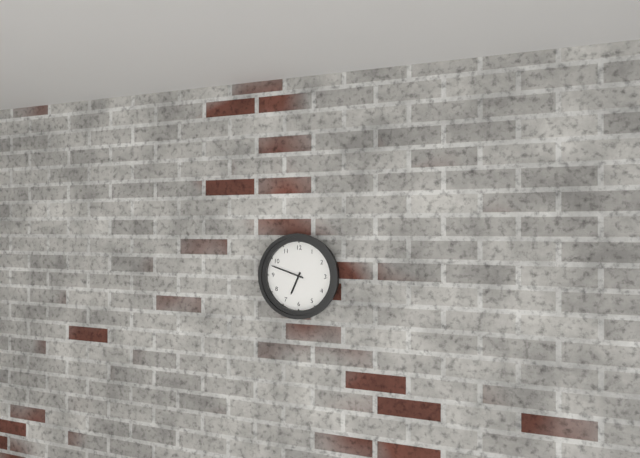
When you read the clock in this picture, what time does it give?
6:48
